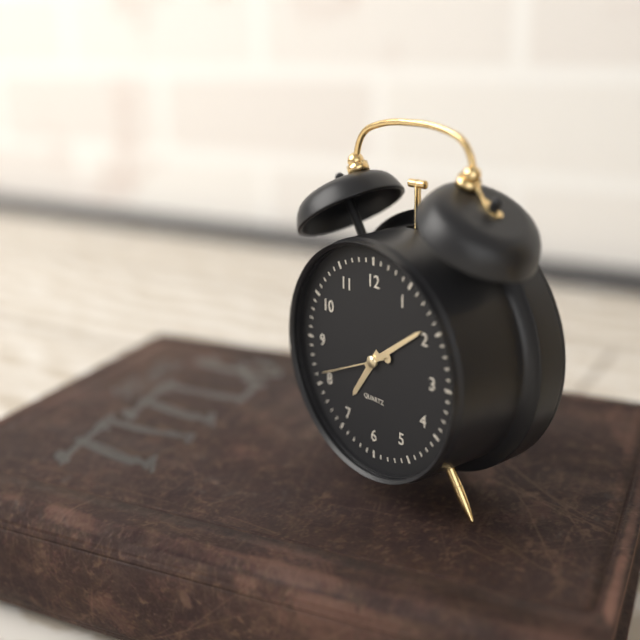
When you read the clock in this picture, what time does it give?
7:09:41
